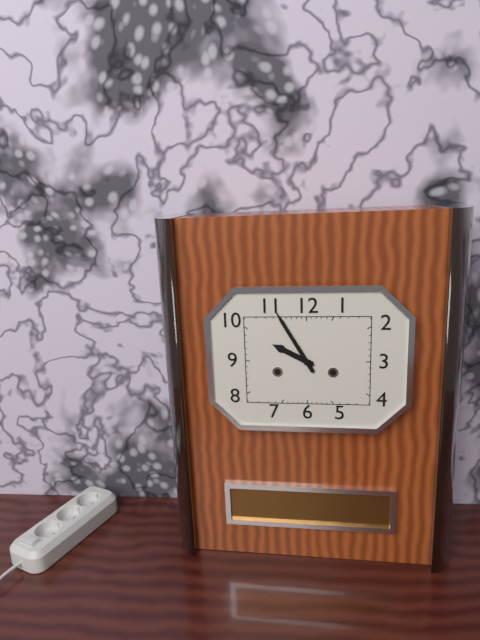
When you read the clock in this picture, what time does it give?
9:55
